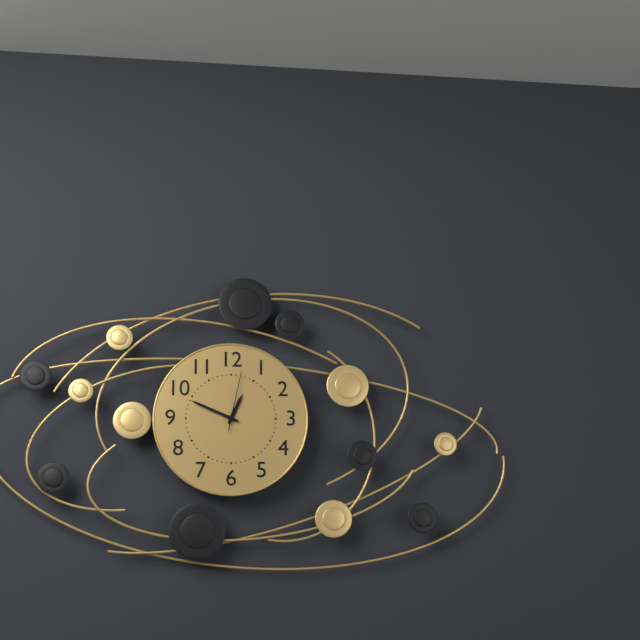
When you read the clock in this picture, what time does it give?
12:49:02
